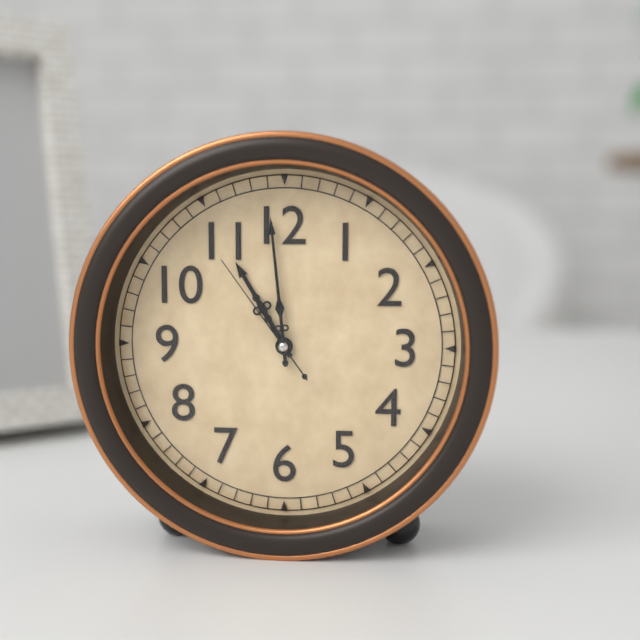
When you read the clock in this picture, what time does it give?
10:59:54
